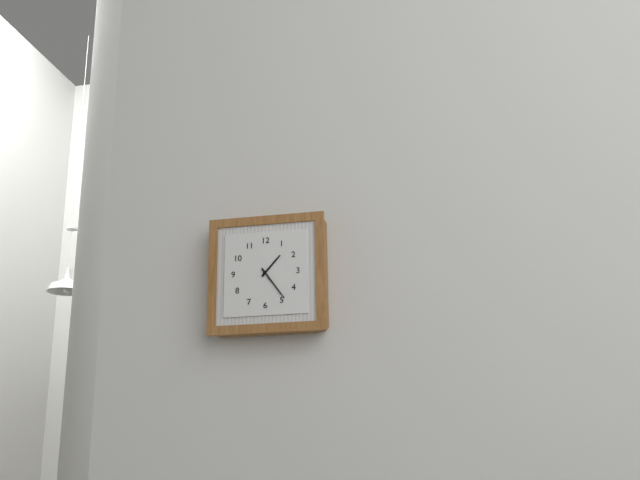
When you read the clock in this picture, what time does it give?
1:24
